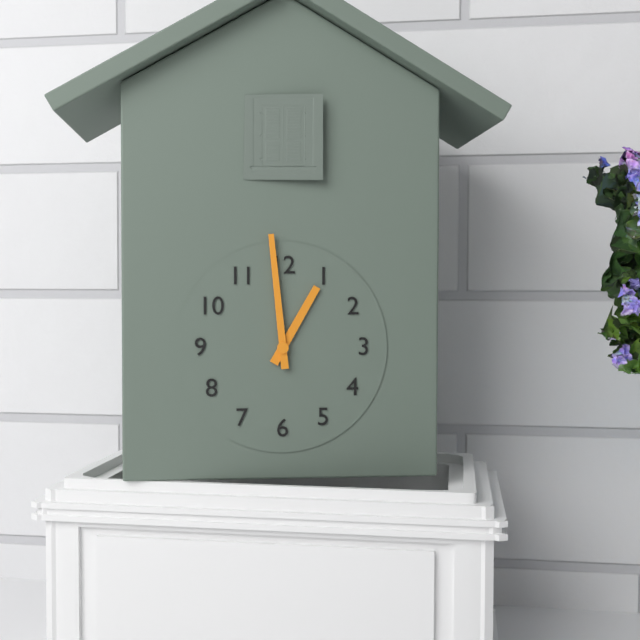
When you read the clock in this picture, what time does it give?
12:59
